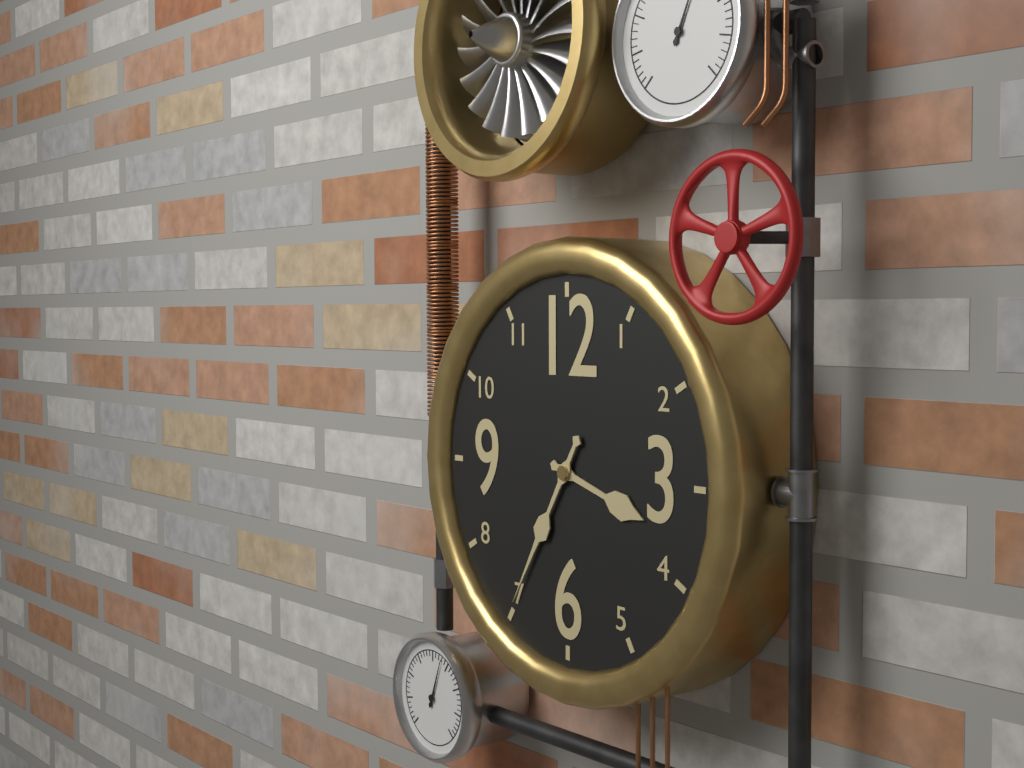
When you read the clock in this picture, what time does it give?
3:35
